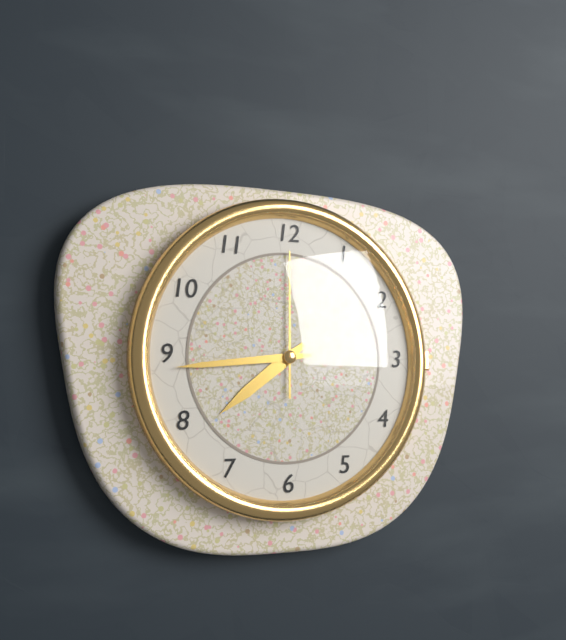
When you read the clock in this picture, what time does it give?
7:44:00
